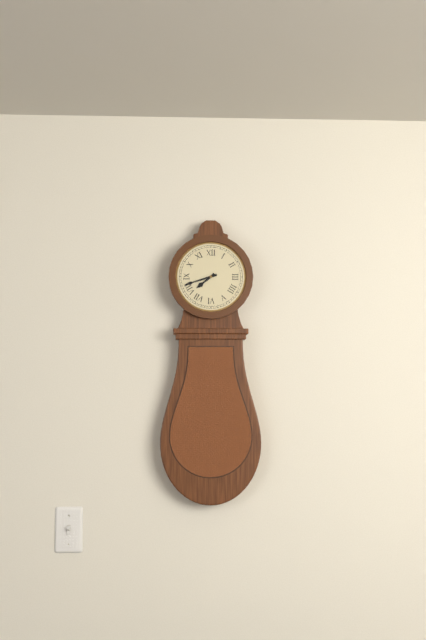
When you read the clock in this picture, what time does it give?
7:42
